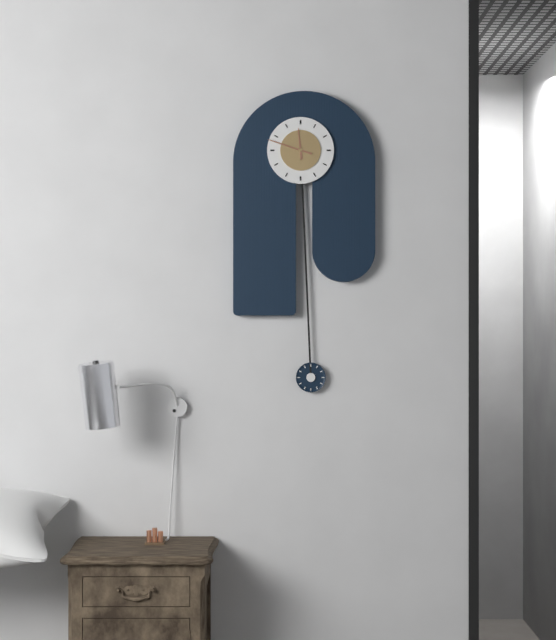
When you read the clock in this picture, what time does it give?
11:48
